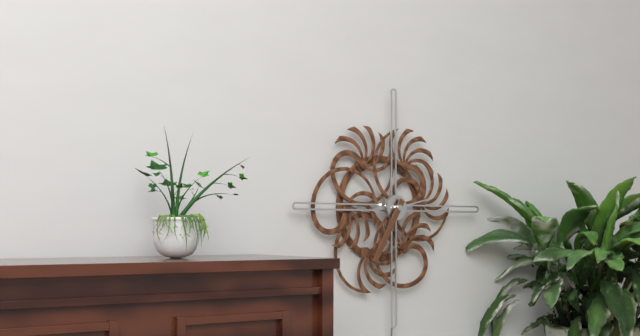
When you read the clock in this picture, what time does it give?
2:35
